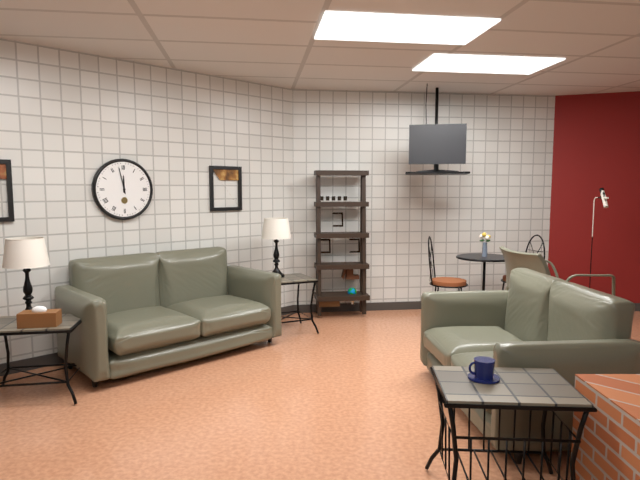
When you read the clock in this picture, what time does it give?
11:58
